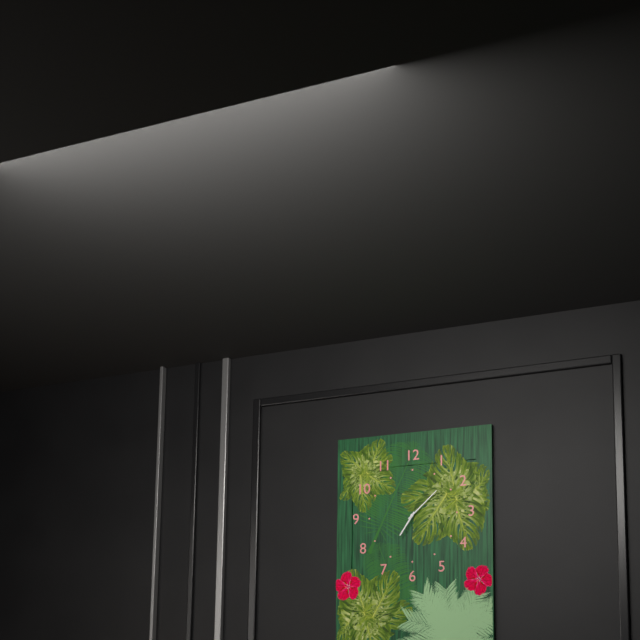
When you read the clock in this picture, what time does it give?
7:08
